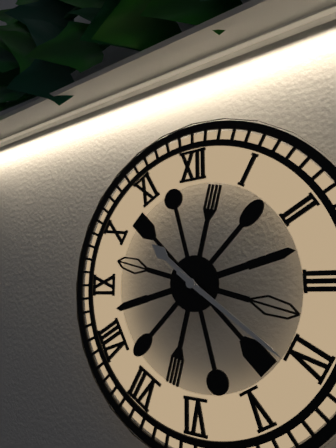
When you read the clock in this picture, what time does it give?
10:21
